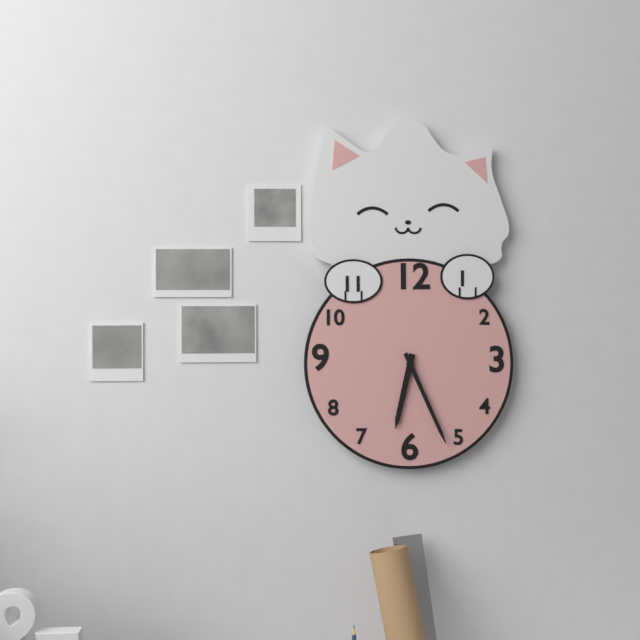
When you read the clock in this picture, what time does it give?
6:26
